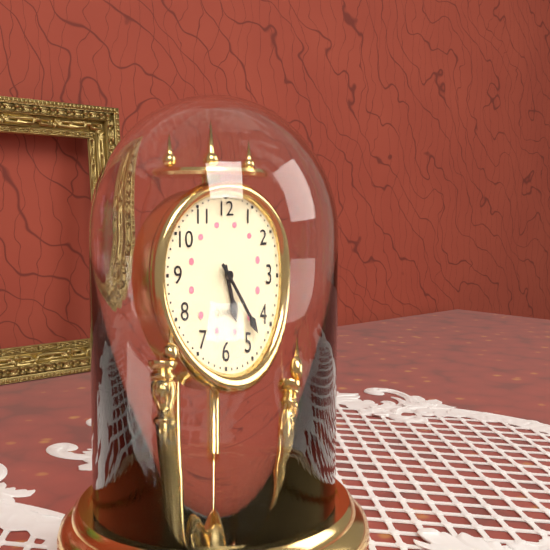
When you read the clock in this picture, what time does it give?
5:23
